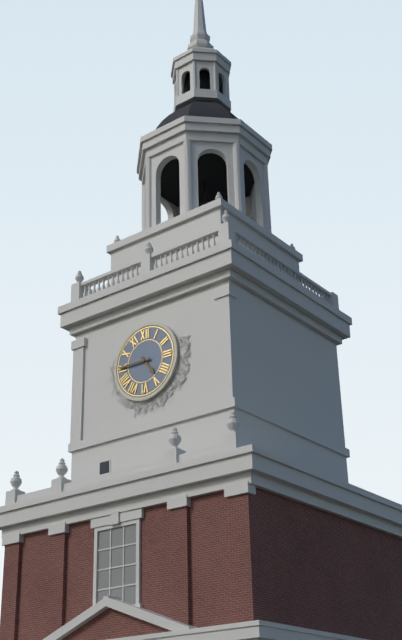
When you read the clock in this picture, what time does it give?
4:45
